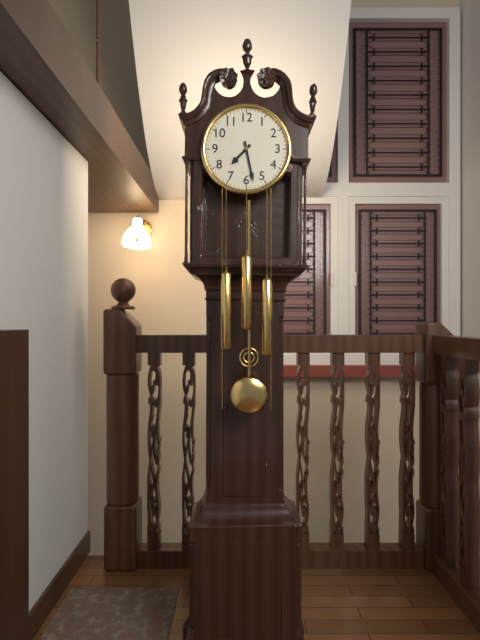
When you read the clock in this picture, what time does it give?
7:28
